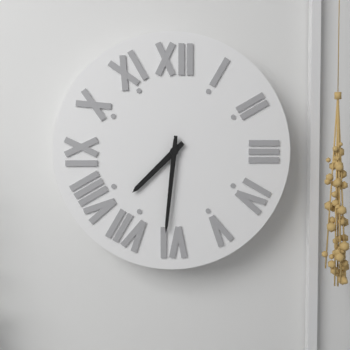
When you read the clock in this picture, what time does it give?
7:31
